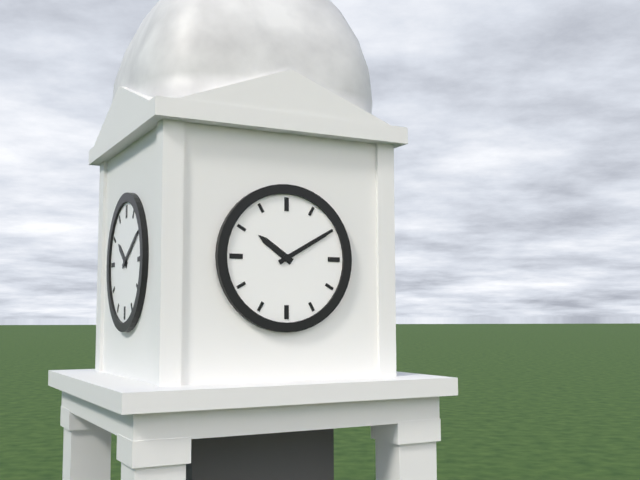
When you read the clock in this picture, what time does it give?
10:10
